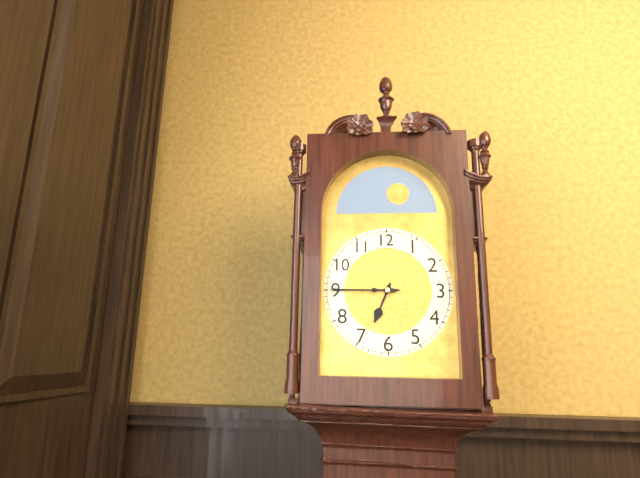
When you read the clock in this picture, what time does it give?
6:45
